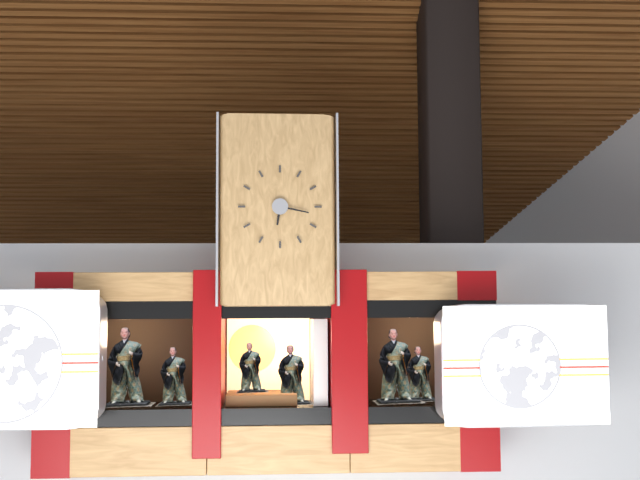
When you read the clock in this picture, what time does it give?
6:17
